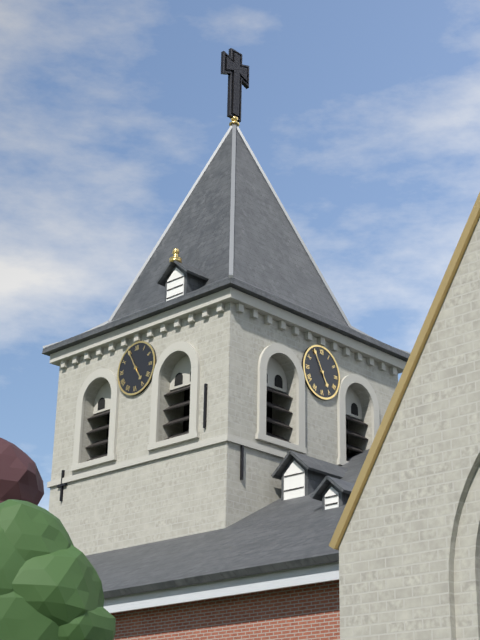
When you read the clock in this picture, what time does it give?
4:55
